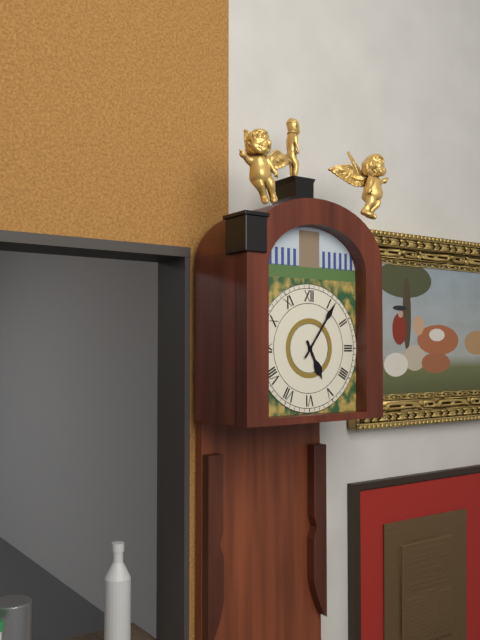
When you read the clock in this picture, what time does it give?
5:06
